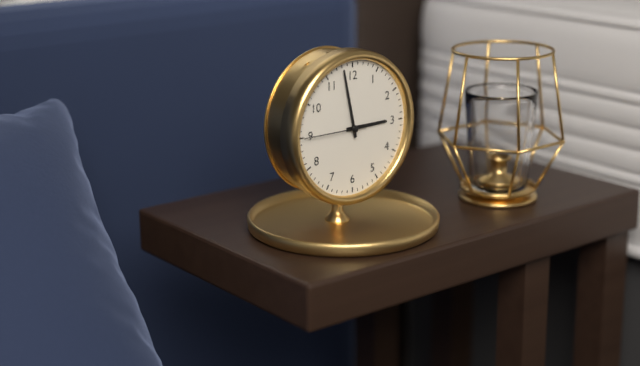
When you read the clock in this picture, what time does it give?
2:58:45
